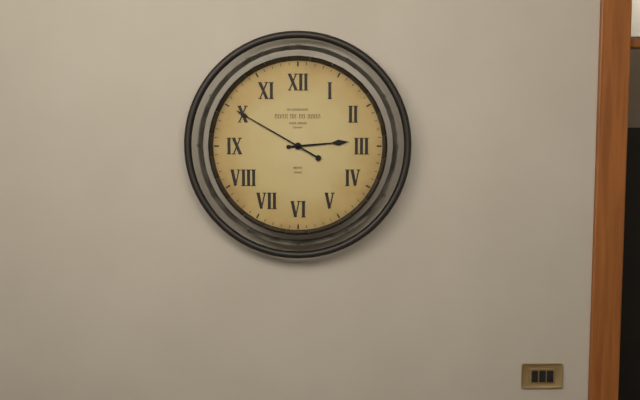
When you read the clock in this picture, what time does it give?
2:50
